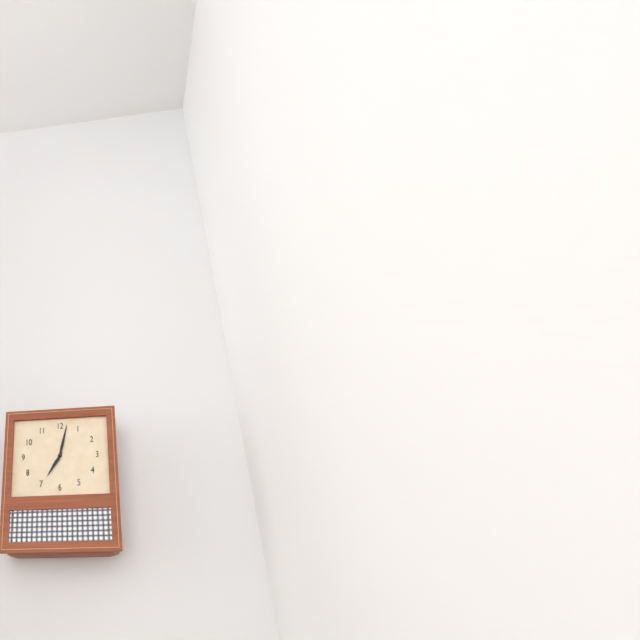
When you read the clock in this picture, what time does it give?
7:02
